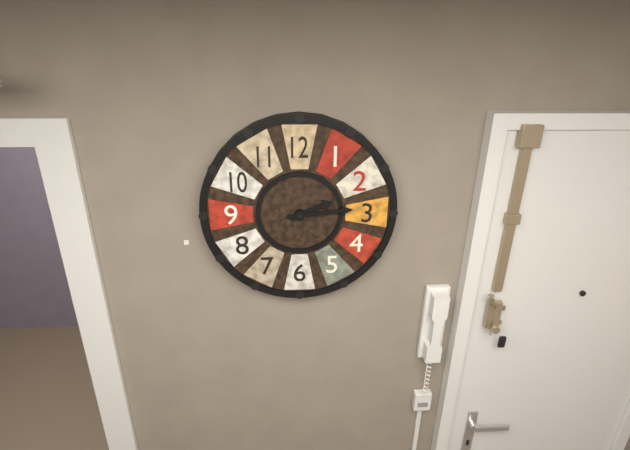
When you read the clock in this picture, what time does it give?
2:14
